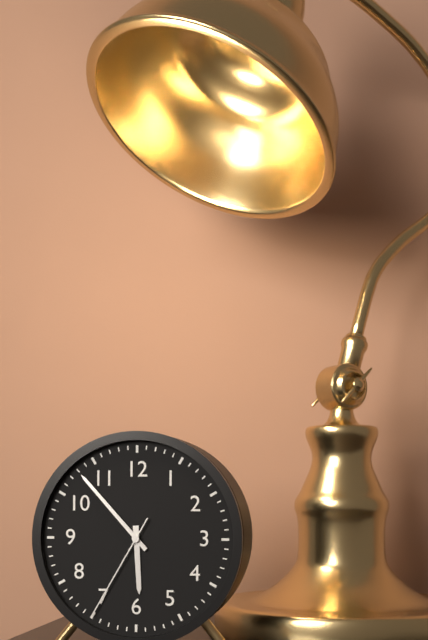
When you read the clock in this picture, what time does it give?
5:53:35
